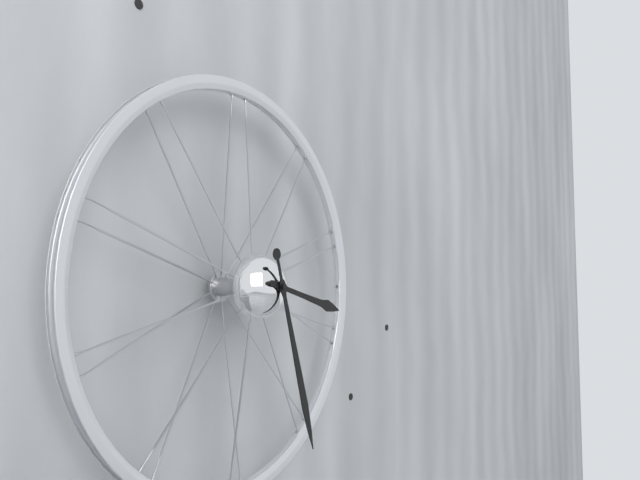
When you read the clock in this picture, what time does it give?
3:27
